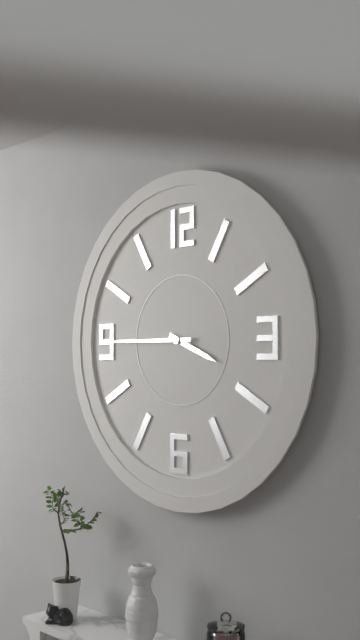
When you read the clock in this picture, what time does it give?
3:45
